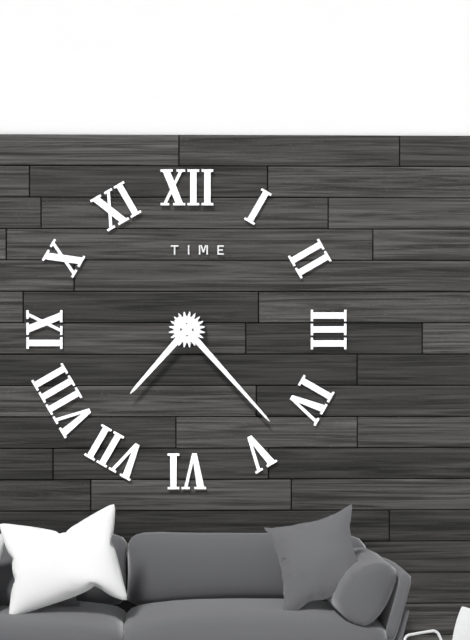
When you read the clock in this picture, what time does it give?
7:23
